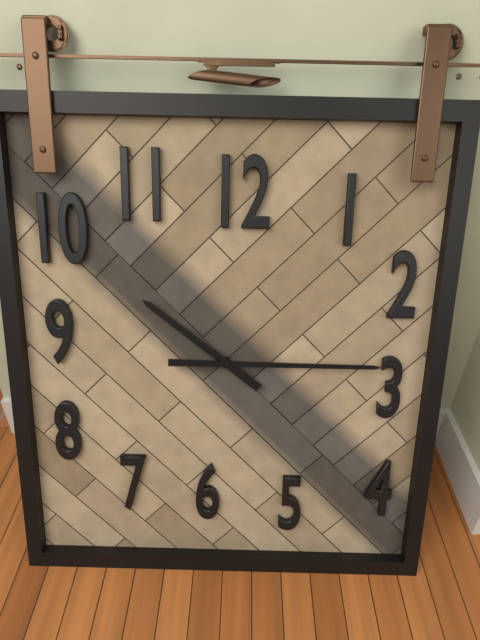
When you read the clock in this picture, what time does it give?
10:15
